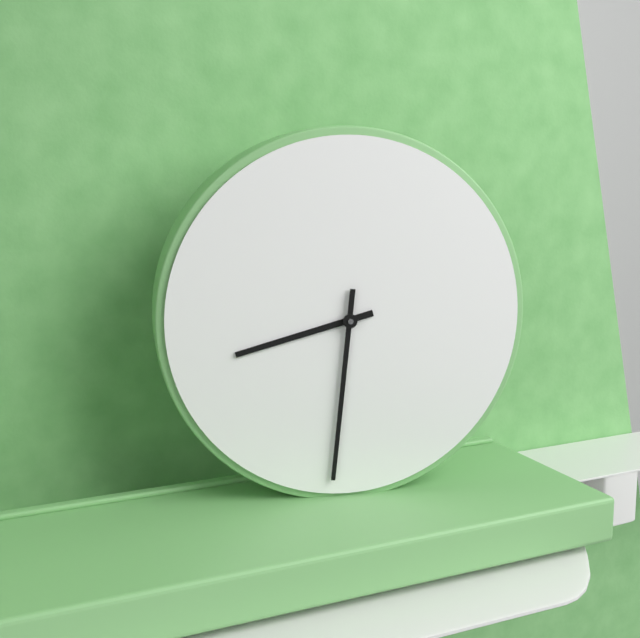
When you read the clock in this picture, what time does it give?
8:31
